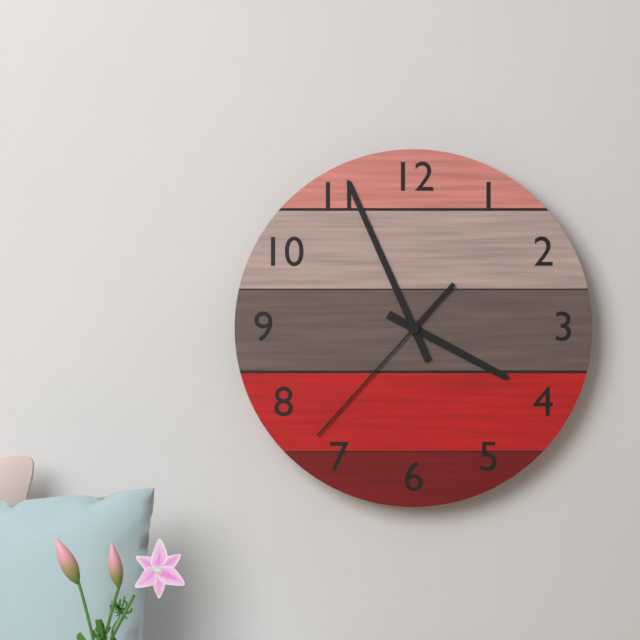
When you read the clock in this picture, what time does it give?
3:56:37
